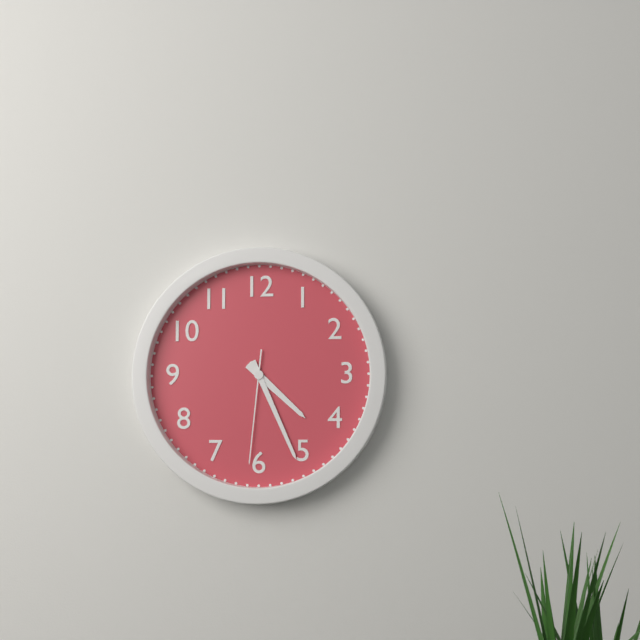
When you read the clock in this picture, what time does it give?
4:26:31
